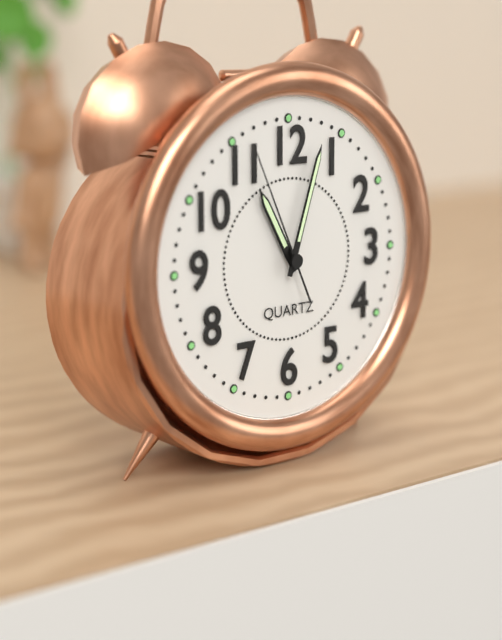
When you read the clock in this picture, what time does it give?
11:03:56
